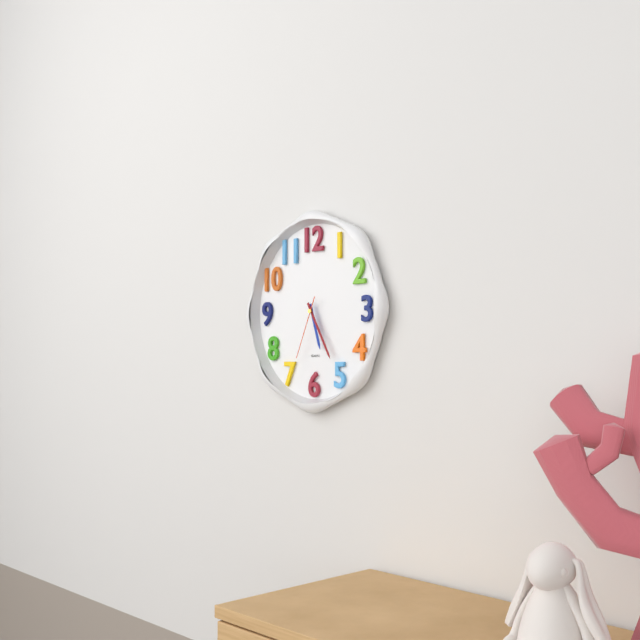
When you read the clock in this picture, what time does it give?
5:25:34
